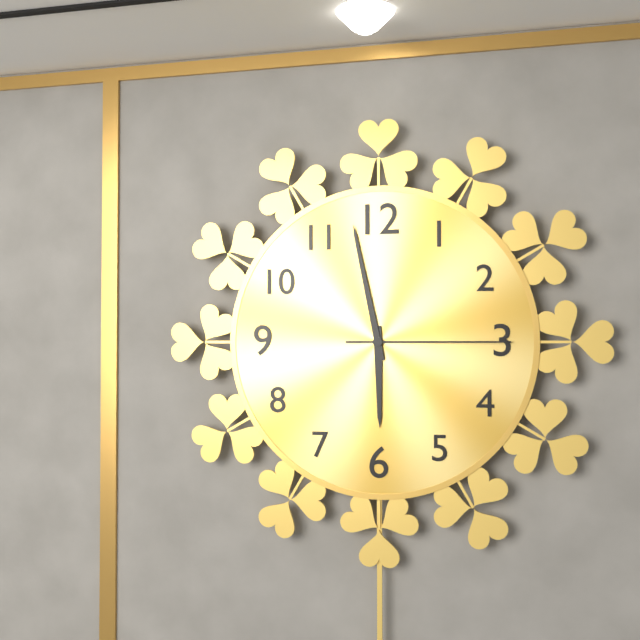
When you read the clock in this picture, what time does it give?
5:58:15
